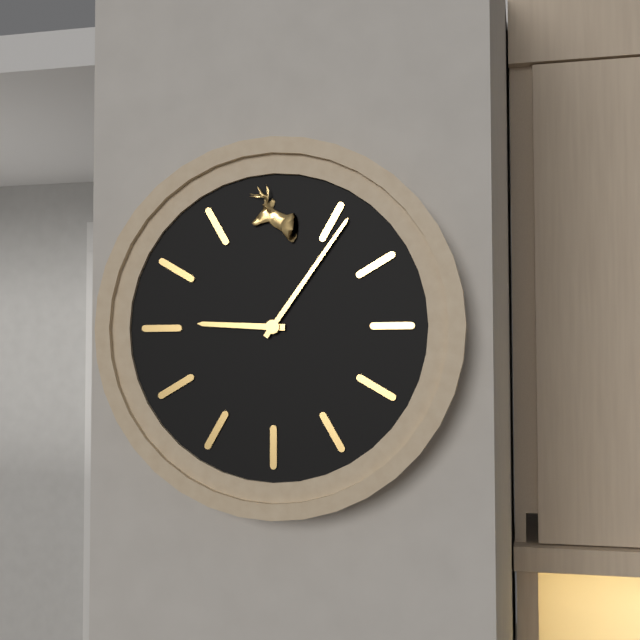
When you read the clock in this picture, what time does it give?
9:06
